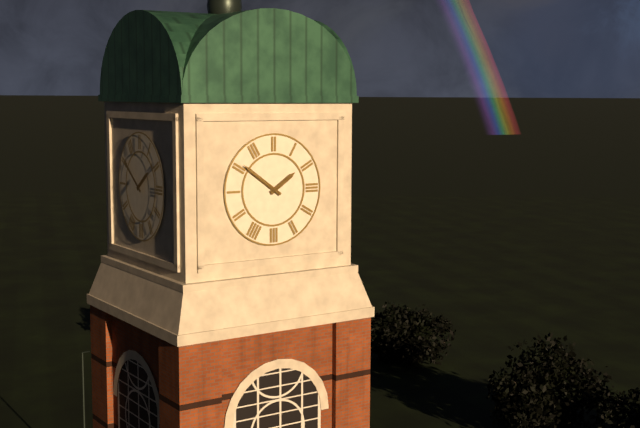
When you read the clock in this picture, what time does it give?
1:51
